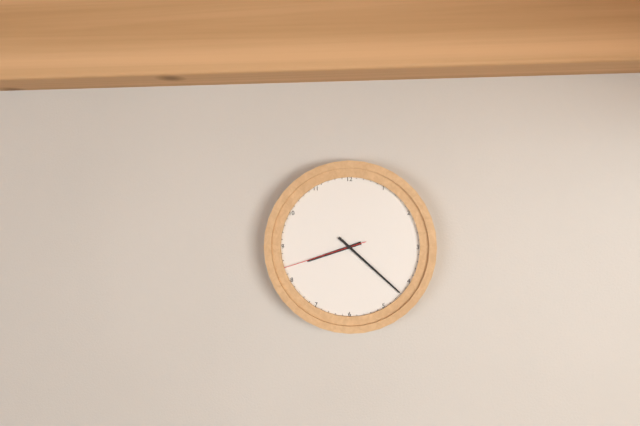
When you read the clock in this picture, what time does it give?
8:22:42
